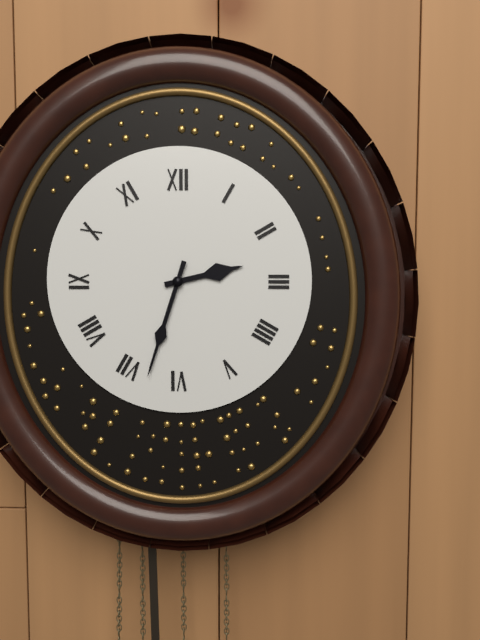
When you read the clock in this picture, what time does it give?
2:33
